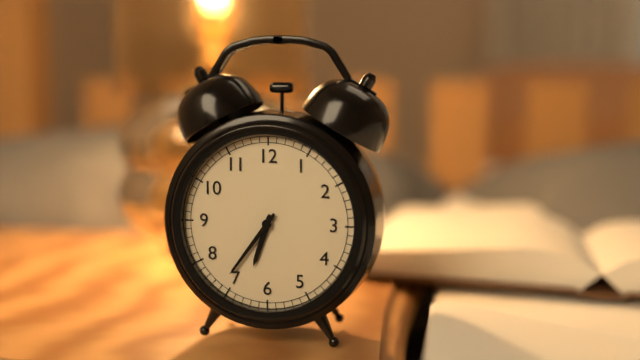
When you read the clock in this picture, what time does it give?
6:36
